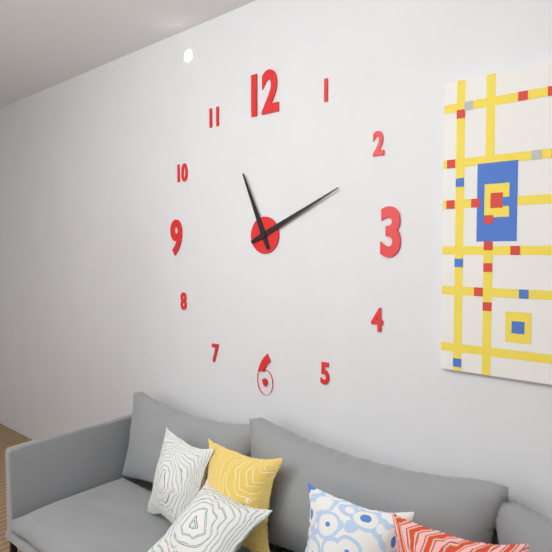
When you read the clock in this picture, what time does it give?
11:11
